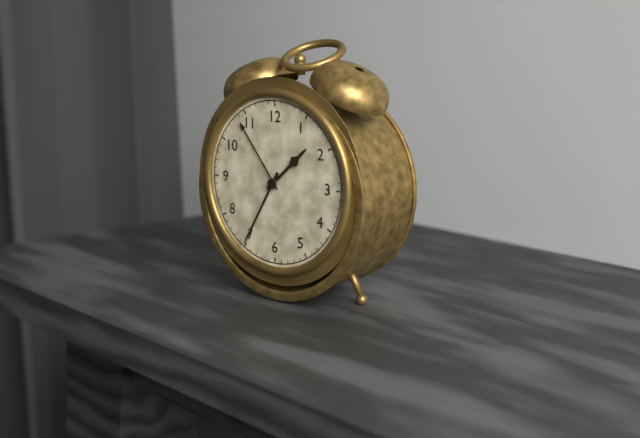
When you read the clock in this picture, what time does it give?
1:35
